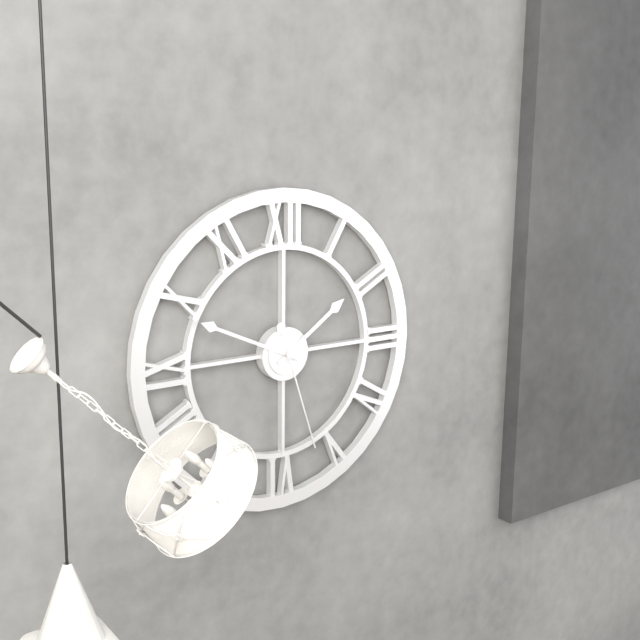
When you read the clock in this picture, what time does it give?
1:49:27
